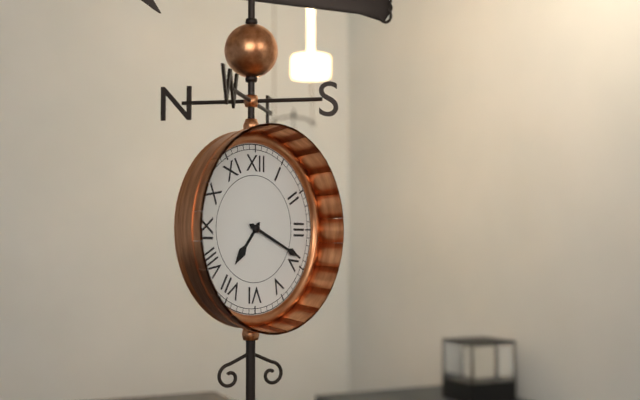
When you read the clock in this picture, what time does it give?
7:19
